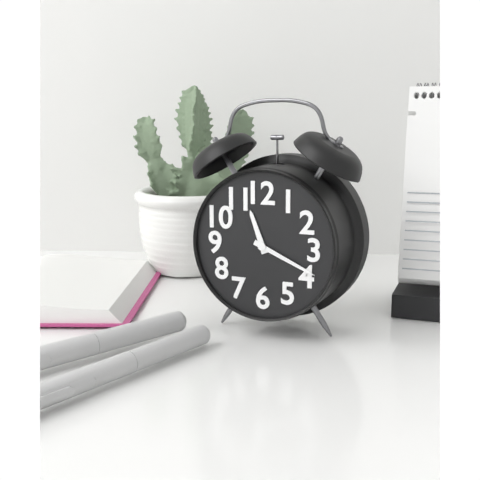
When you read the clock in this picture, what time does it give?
11:19
